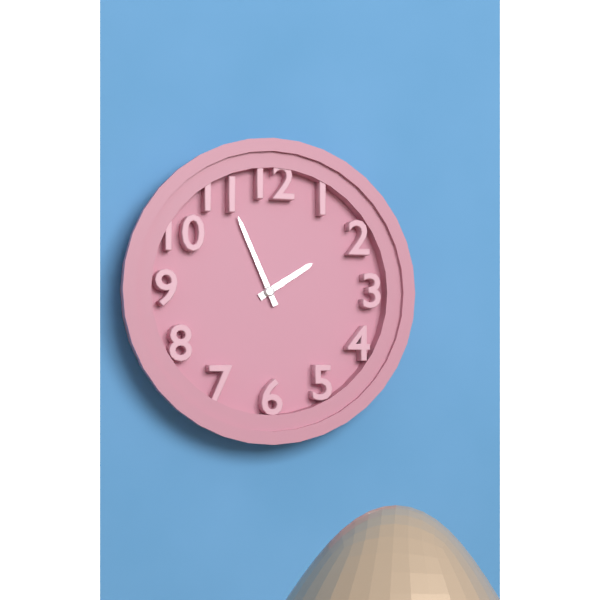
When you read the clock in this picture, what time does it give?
1:56
